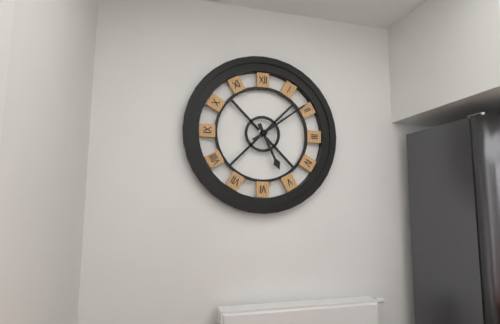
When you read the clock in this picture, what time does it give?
5:09
